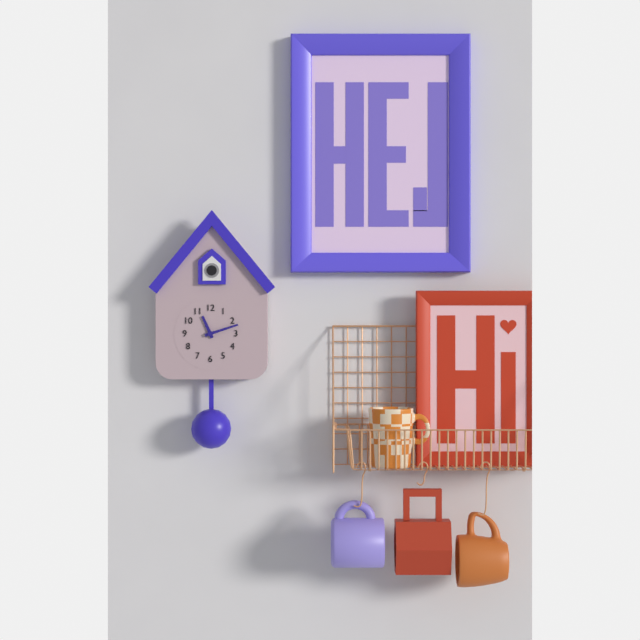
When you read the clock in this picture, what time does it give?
11:12
